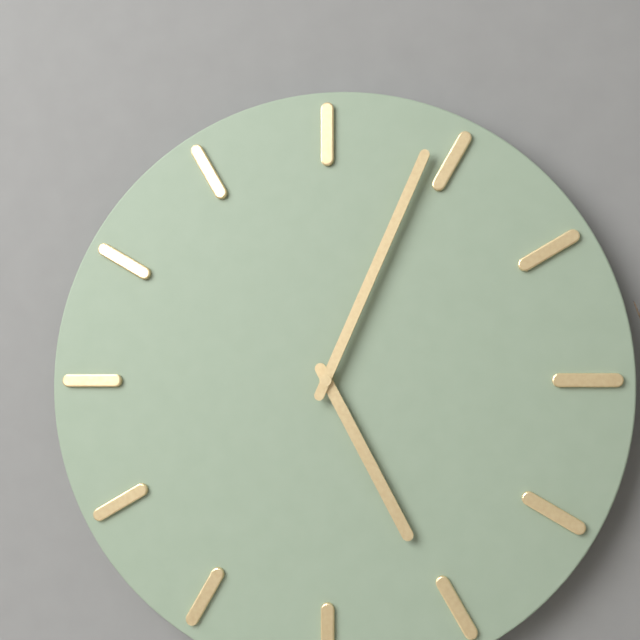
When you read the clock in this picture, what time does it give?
5:04
